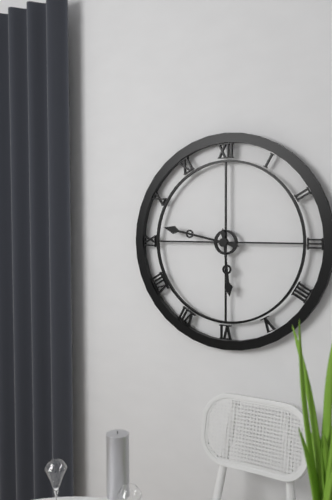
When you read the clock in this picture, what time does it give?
5:47
